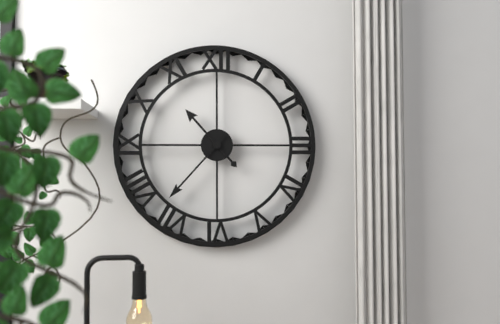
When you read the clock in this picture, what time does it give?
10:37
